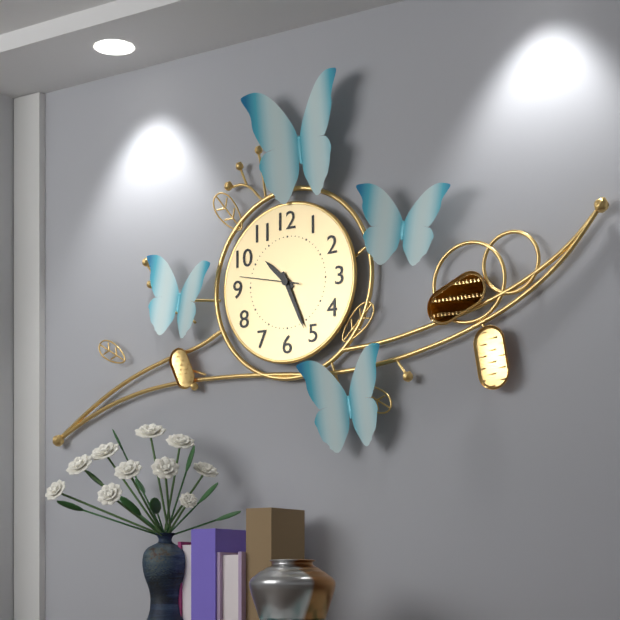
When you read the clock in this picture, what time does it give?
10:26:47
